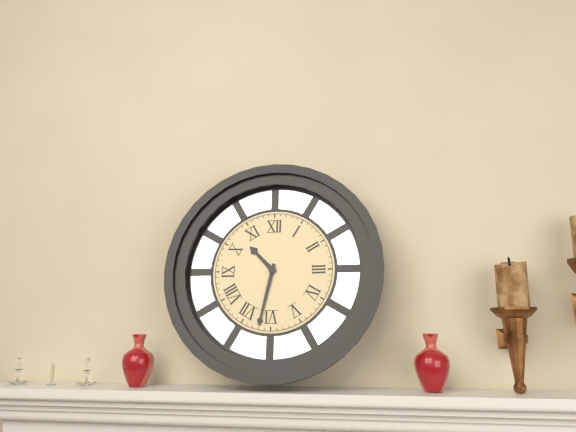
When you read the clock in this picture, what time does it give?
10:32
